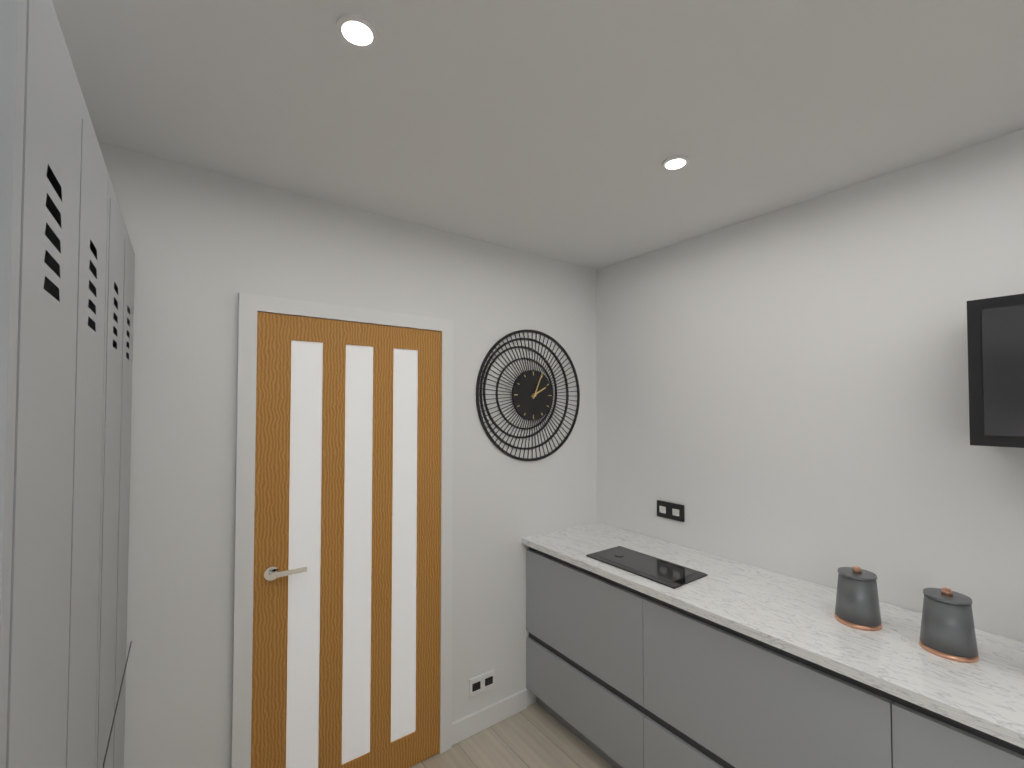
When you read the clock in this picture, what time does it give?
2:04
